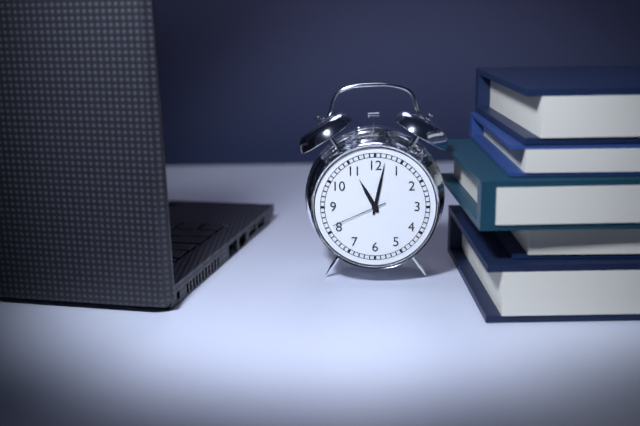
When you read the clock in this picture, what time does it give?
11:02:41
